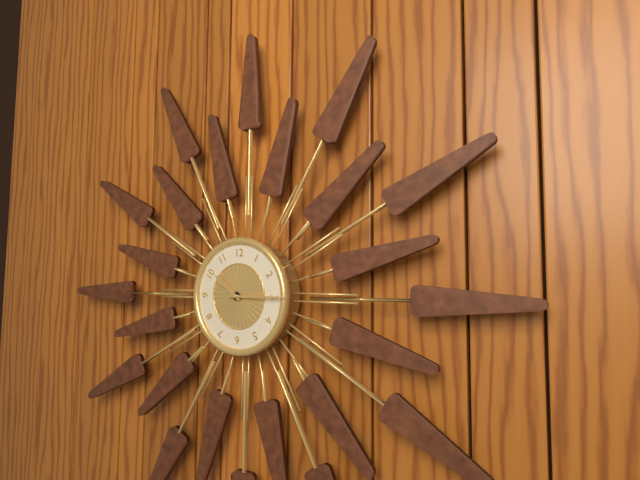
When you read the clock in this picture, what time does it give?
10:15
